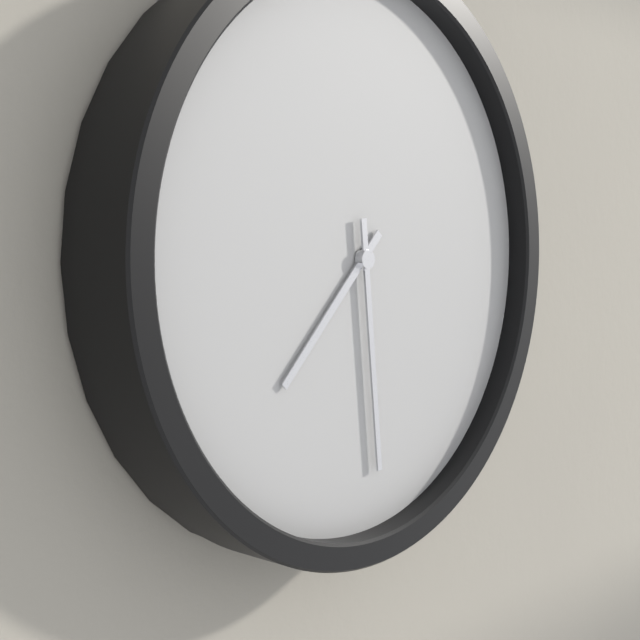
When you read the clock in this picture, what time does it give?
7:29
